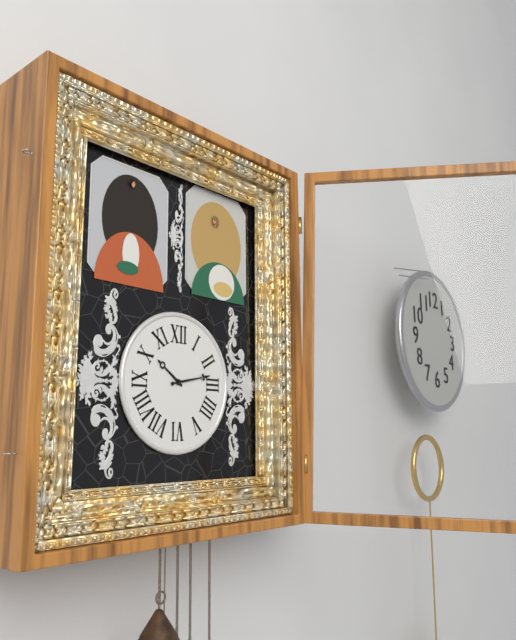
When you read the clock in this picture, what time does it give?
10:13
